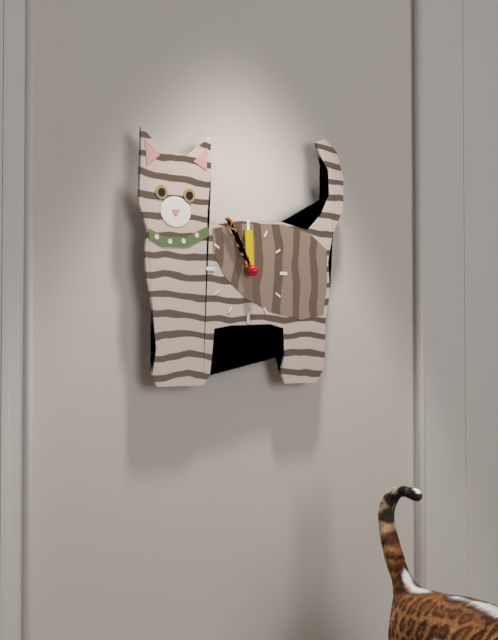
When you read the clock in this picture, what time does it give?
11:55
